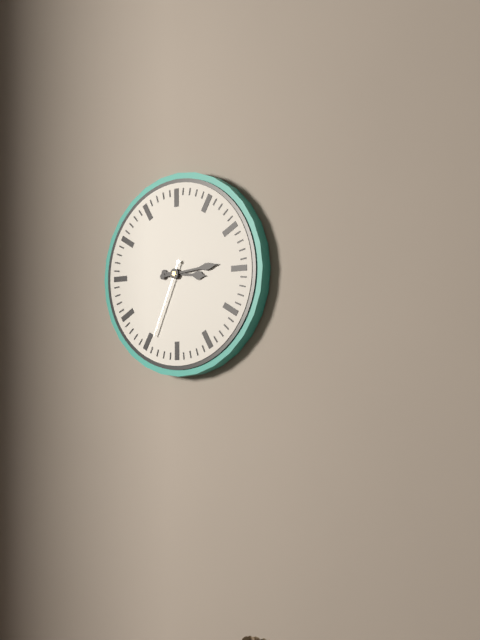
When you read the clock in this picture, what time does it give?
3:14:34
